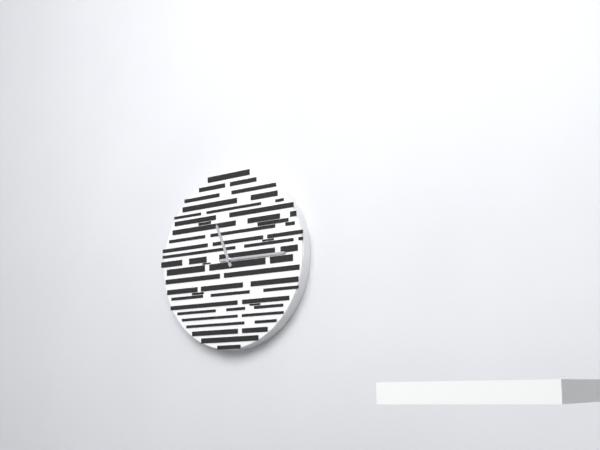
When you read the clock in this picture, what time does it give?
11:15
